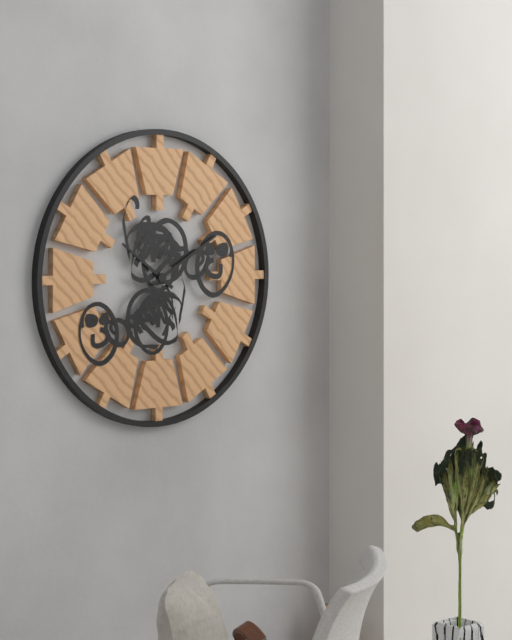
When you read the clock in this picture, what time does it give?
10:10
